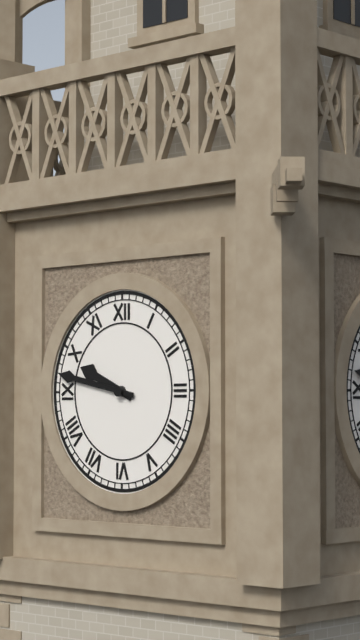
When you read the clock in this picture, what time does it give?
9:47
